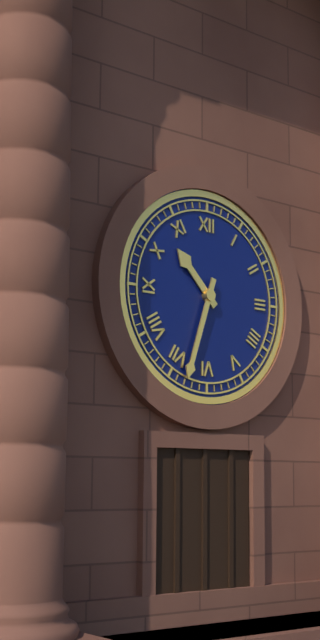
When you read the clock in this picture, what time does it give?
10:33
